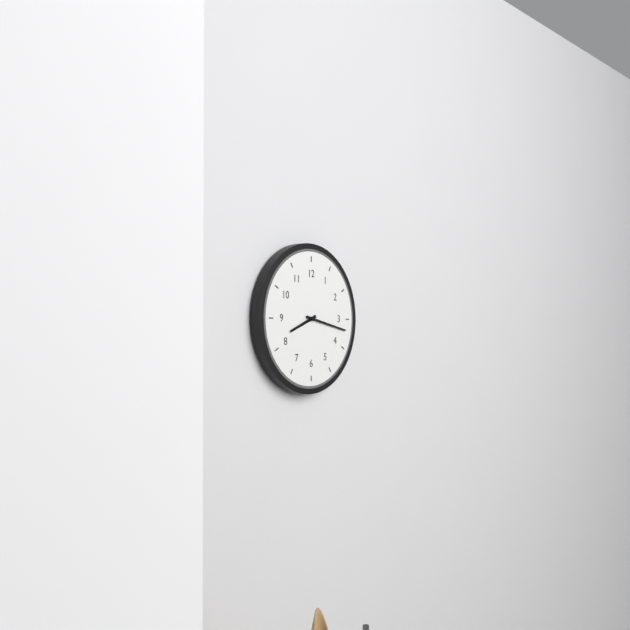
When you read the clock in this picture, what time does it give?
8:17
